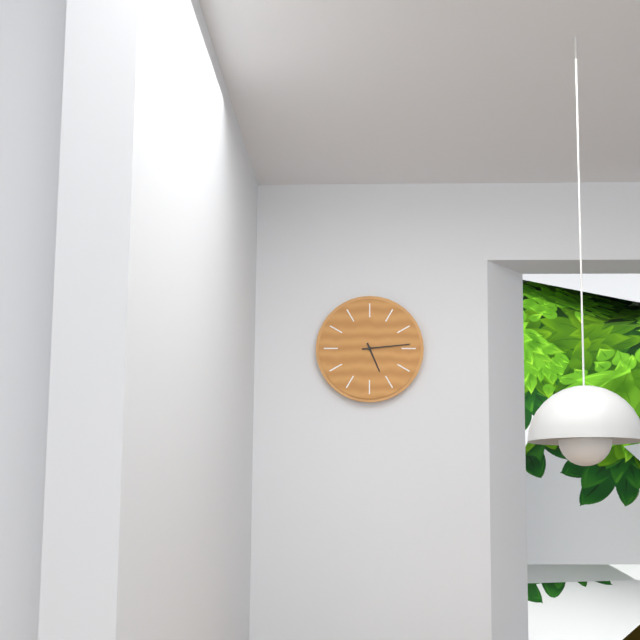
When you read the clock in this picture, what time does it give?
5:14
